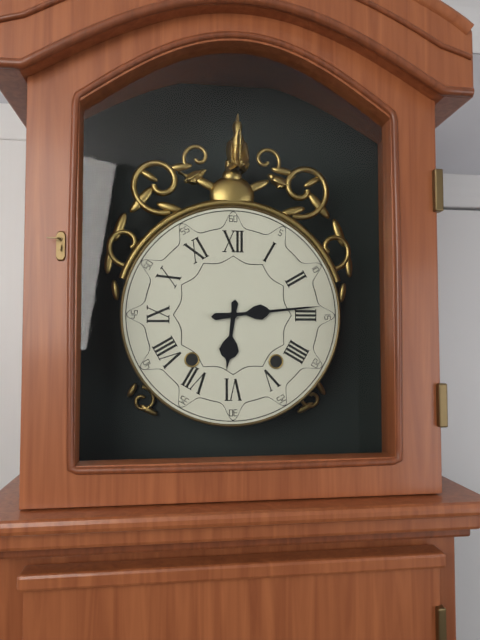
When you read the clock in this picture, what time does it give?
6:14
